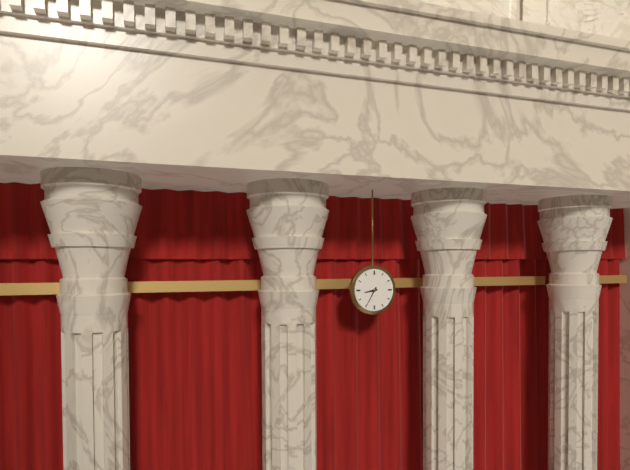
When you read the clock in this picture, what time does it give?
8:35
